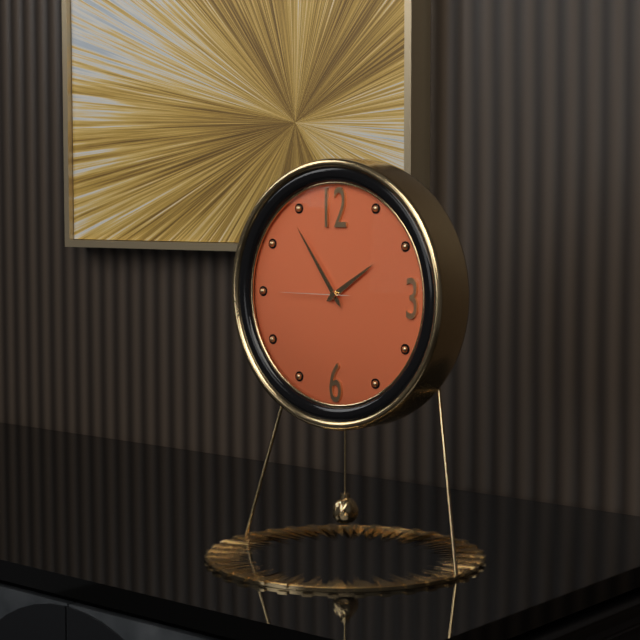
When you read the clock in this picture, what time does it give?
1:54:45
